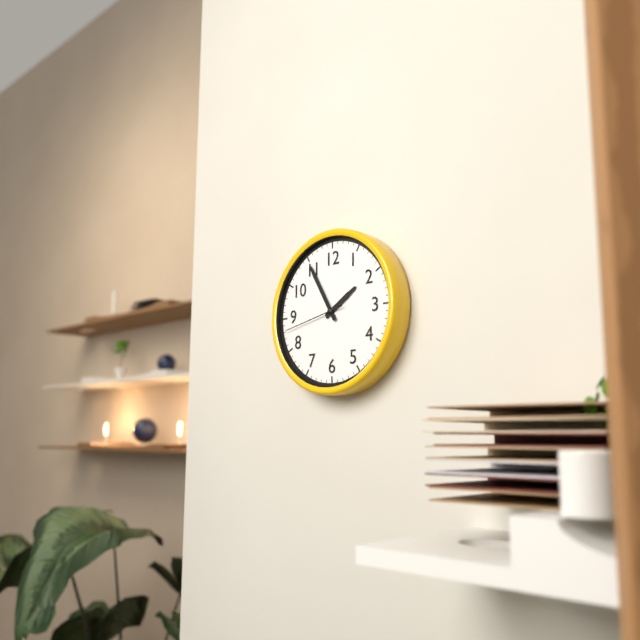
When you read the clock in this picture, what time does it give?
1:55:43
